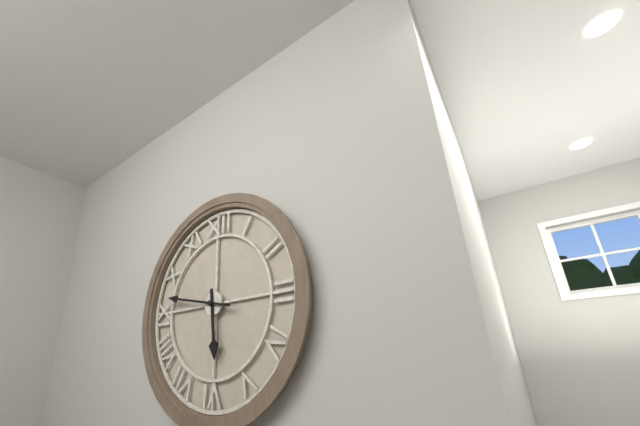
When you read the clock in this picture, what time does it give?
5:47
